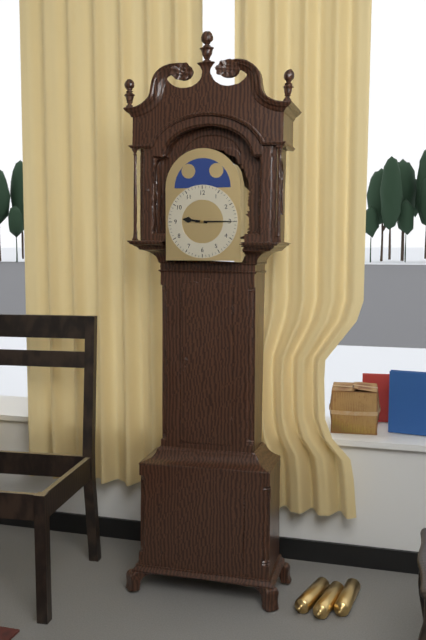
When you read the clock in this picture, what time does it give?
9:15
